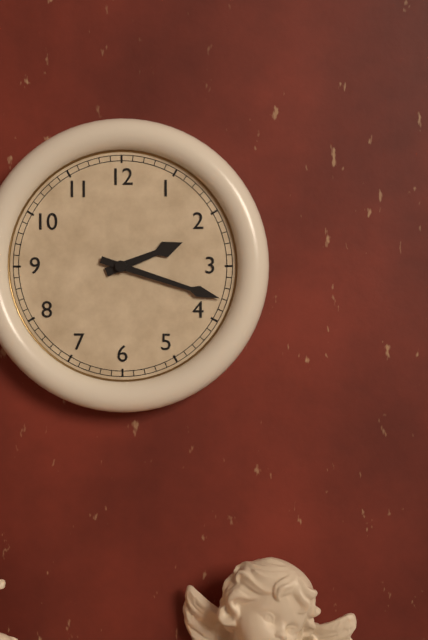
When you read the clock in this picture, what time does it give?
2:18
